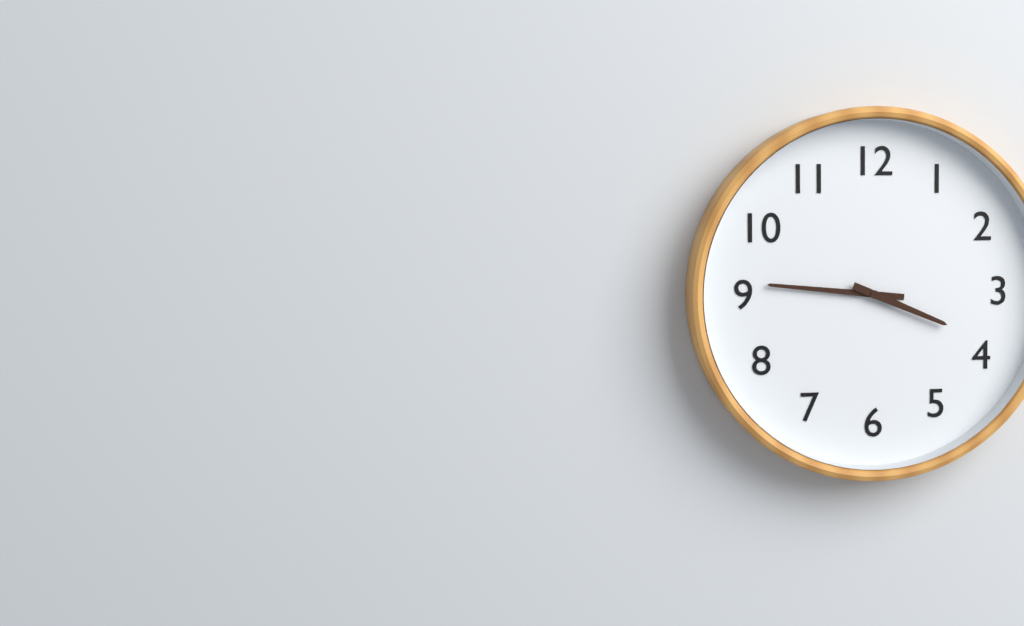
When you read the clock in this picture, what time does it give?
3:46
